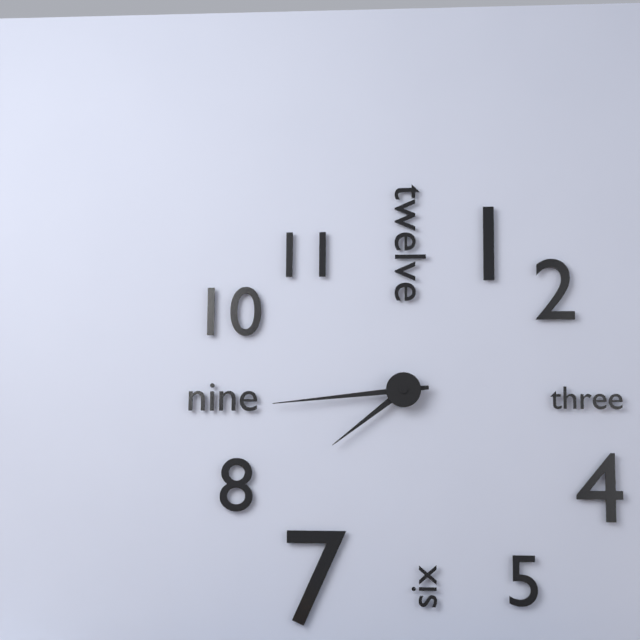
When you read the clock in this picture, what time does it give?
7:44
